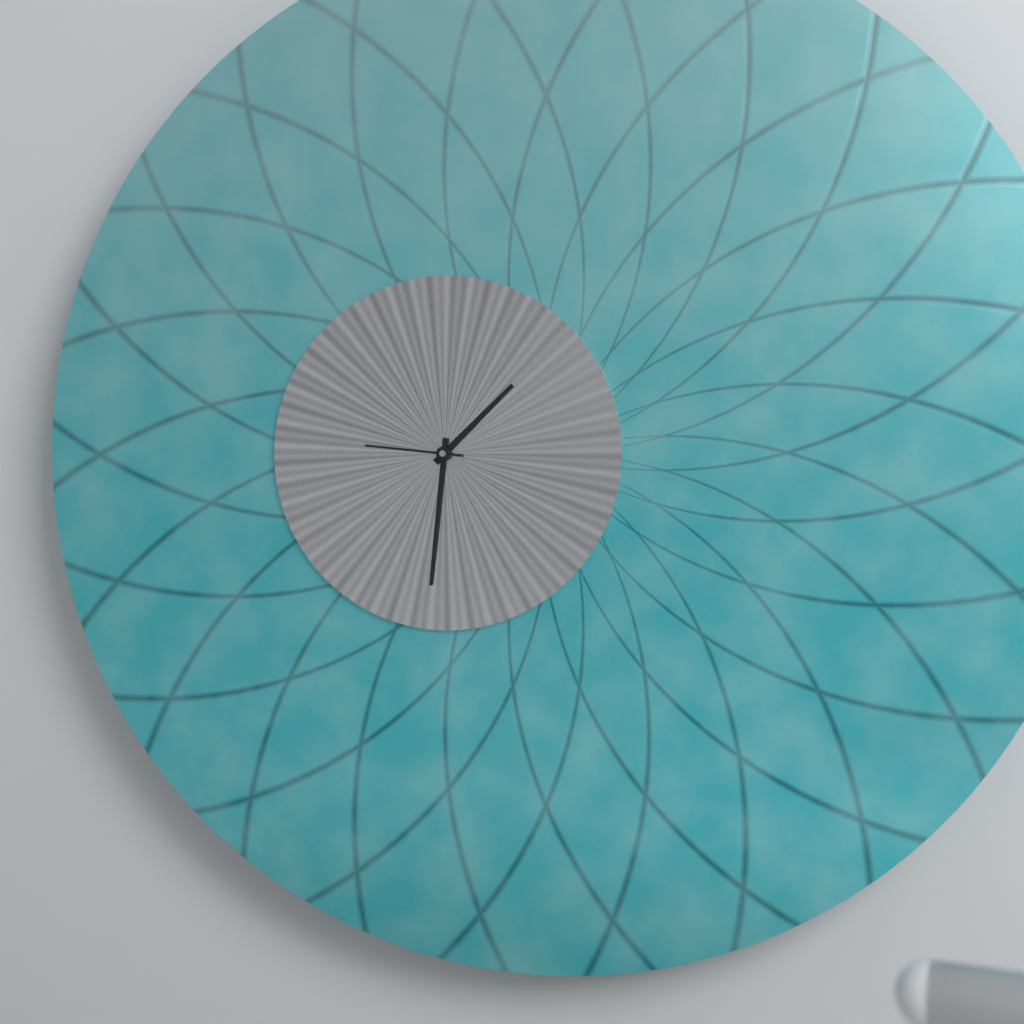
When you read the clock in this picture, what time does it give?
1:31:46
